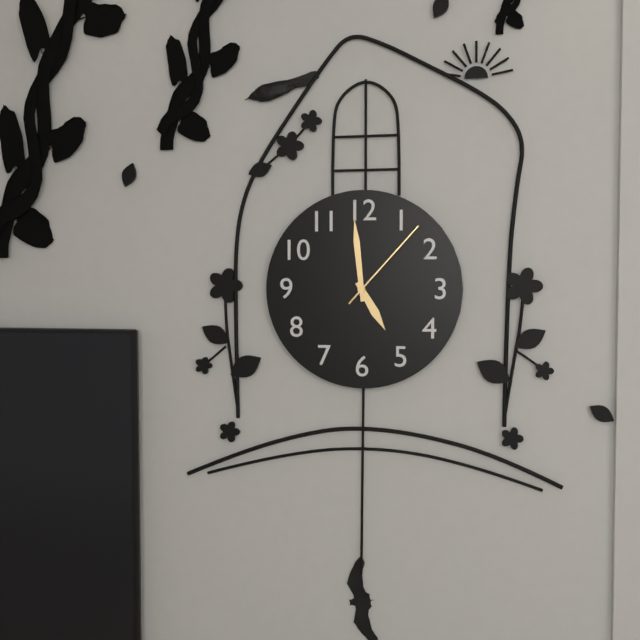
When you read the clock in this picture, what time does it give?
4:59:07
